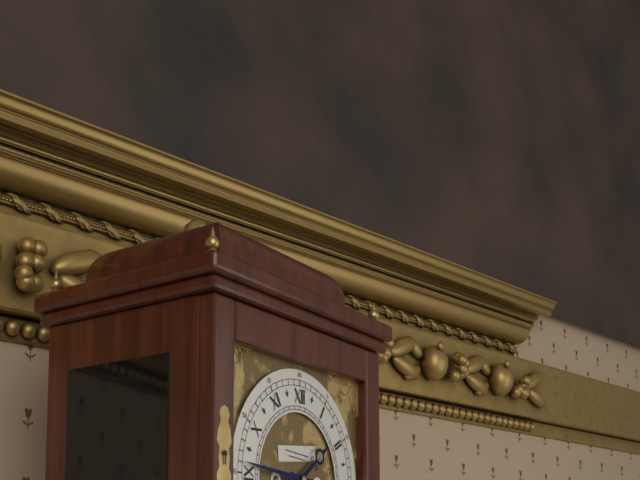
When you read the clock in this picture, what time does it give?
1:46
